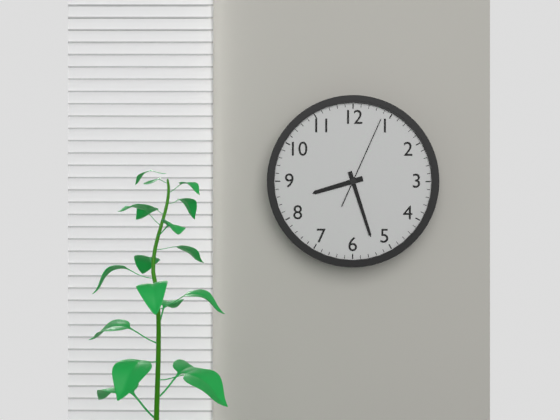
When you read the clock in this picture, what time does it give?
8:27:04
